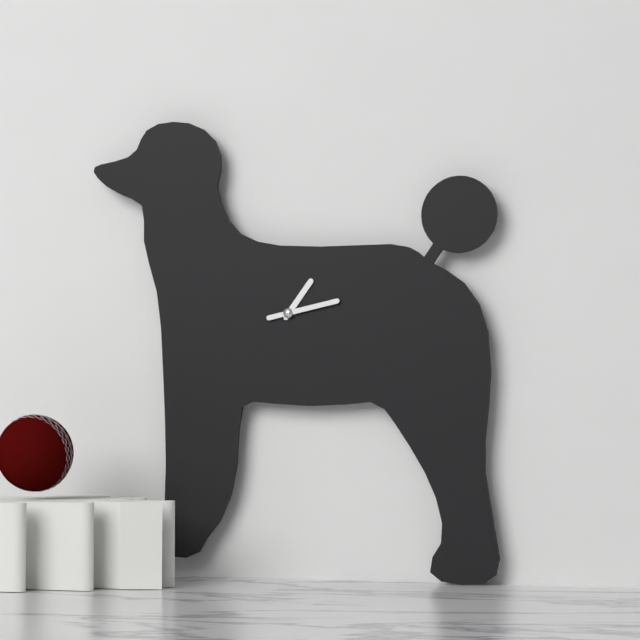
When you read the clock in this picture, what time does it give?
1:13
